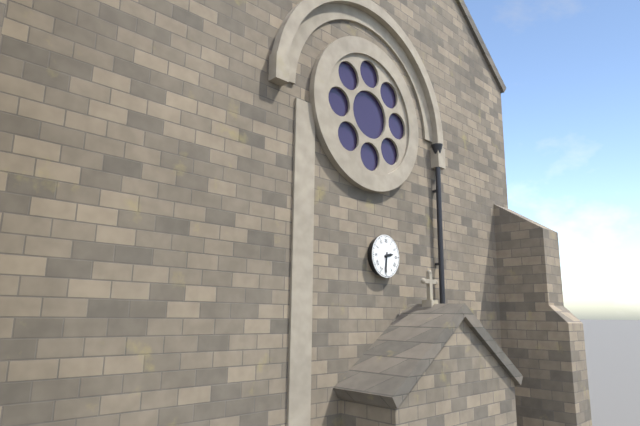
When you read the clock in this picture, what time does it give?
2:31
